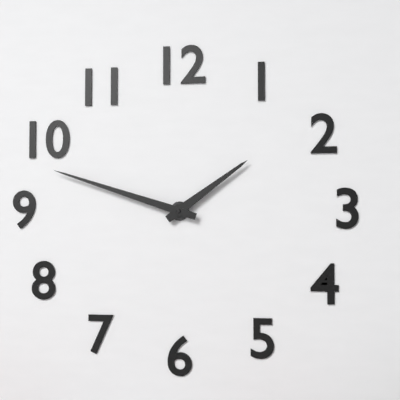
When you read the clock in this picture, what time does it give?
1:48
